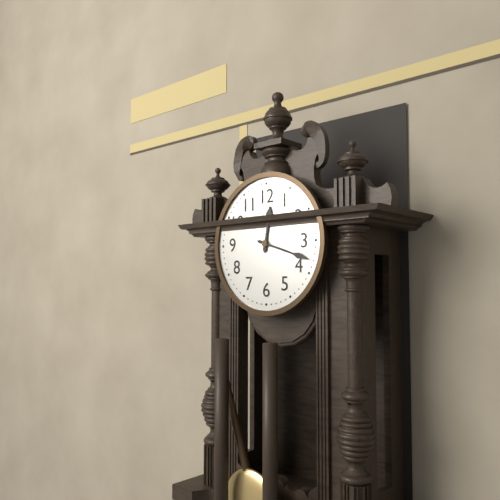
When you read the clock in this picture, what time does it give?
12:18
